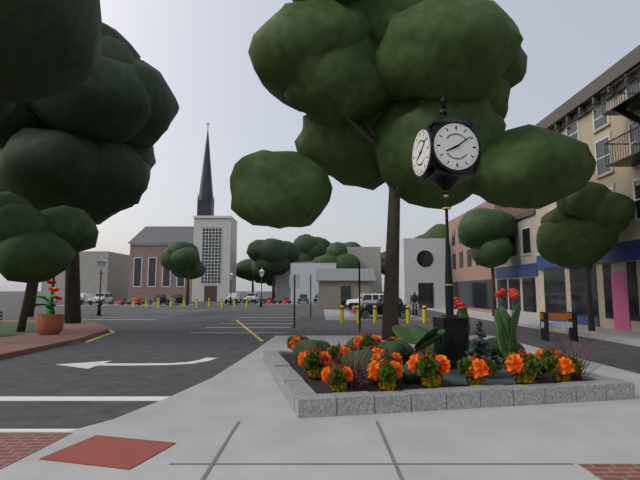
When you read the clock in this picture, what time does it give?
8:09
